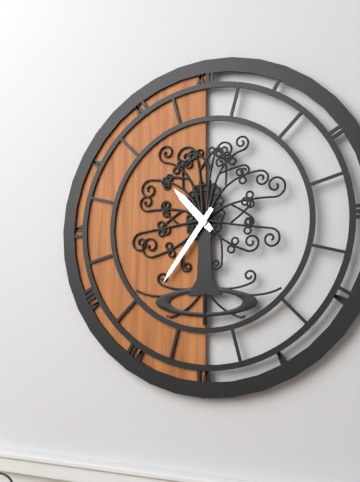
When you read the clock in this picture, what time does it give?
10:36
